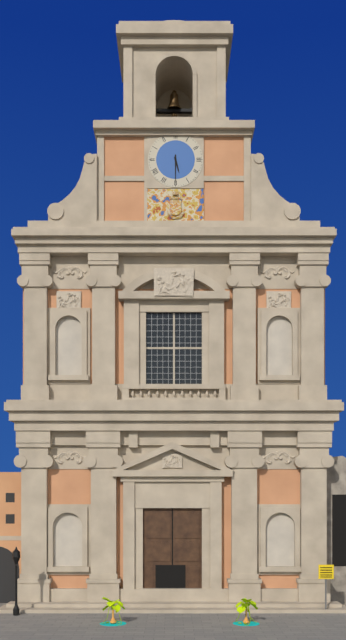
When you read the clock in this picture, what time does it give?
5:30
